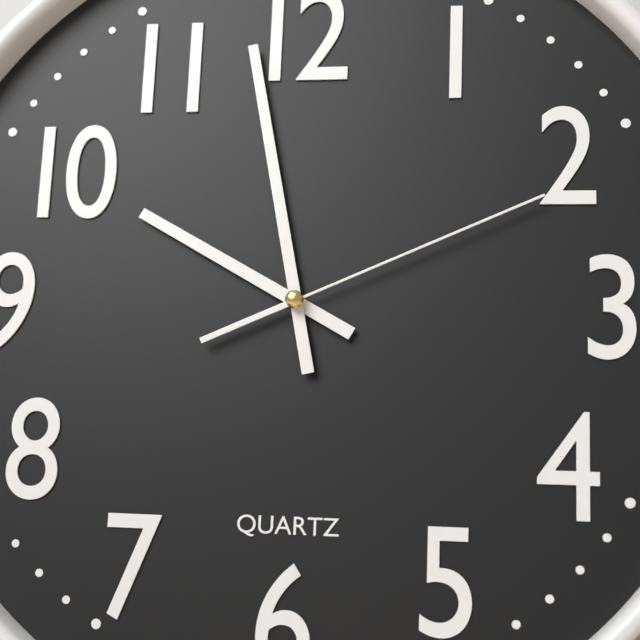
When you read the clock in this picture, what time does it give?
9:58:11
